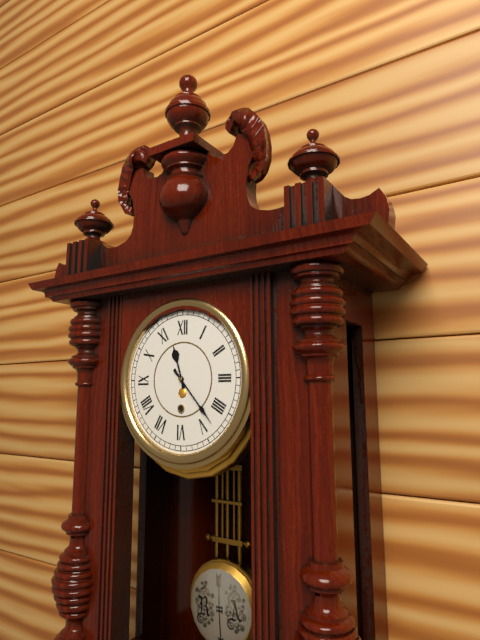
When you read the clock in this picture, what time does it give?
11:23
